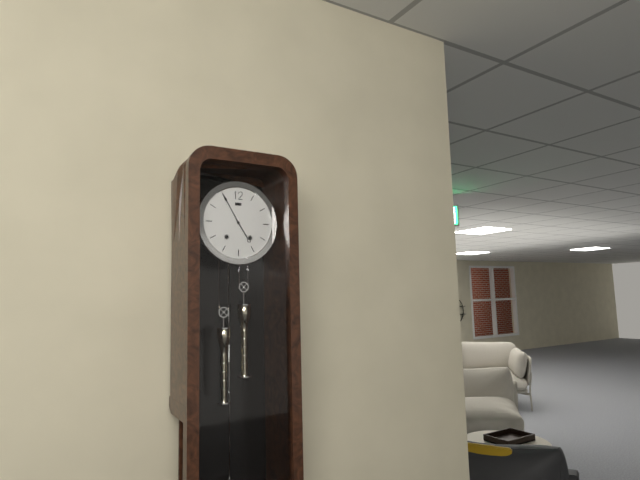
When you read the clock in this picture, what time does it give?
4:55
